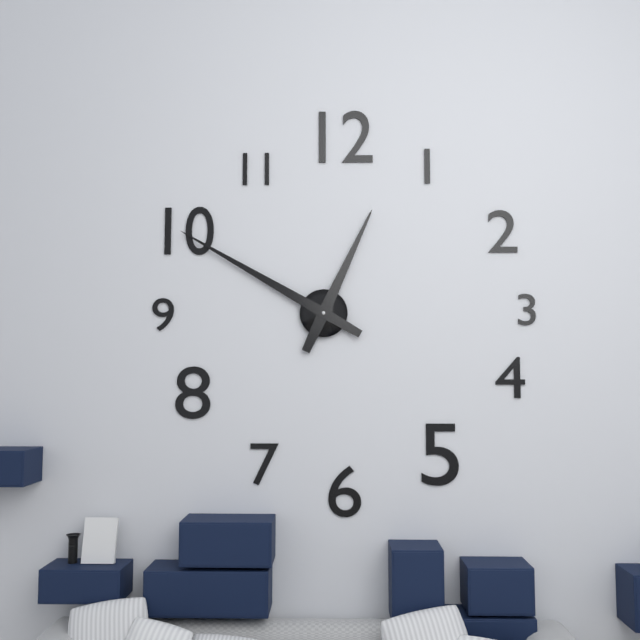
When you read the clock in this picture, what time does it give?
12:50
